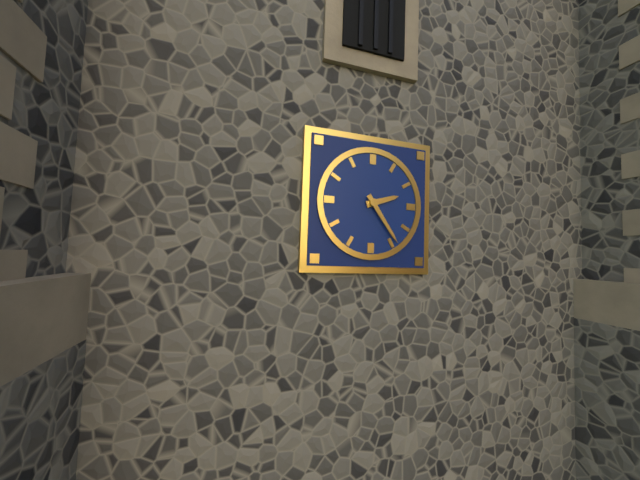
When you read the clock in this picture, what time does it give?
2:24
